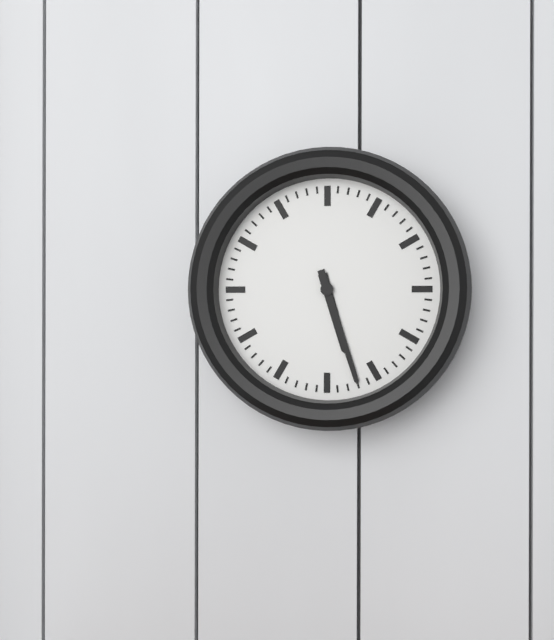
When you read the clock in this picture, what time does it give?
5:27
